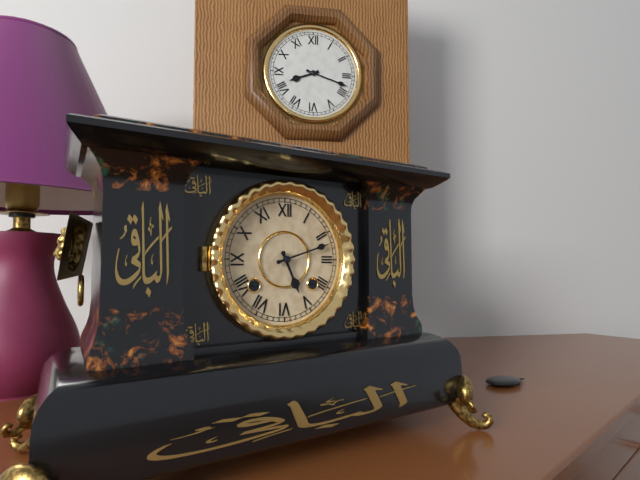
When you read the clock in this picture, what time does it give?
5:12
